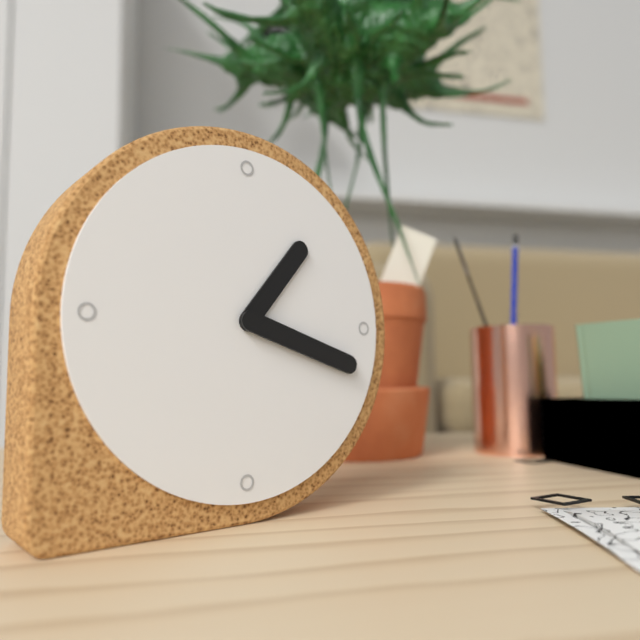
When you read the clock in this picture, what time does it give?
1:18
